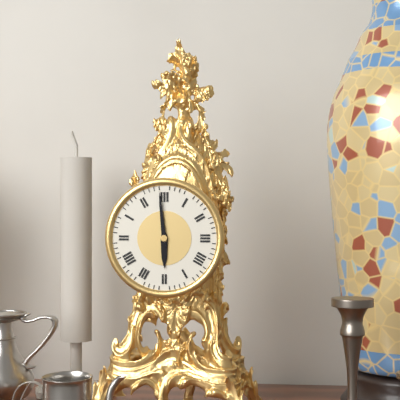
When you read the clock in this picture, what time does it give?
5:59
